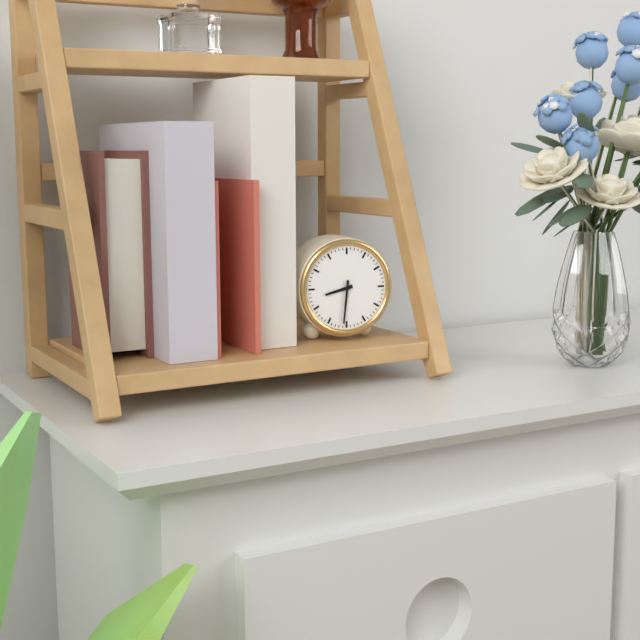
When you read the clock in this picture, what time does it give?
8:31
